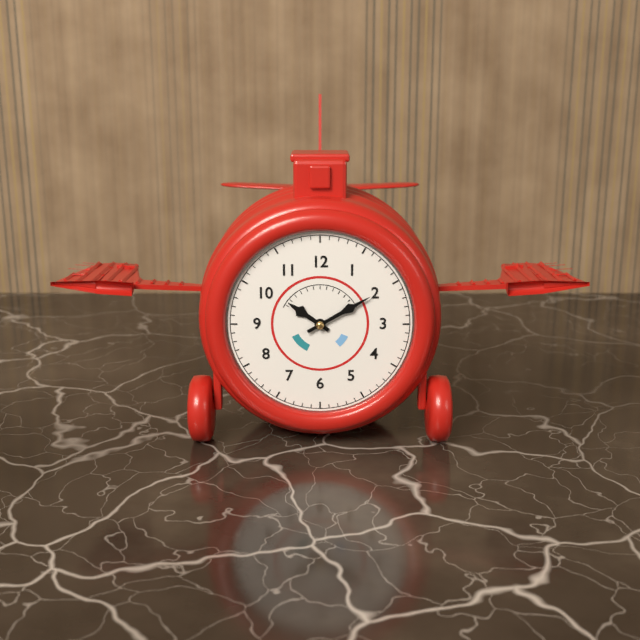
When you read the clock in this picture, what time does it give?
10:10
